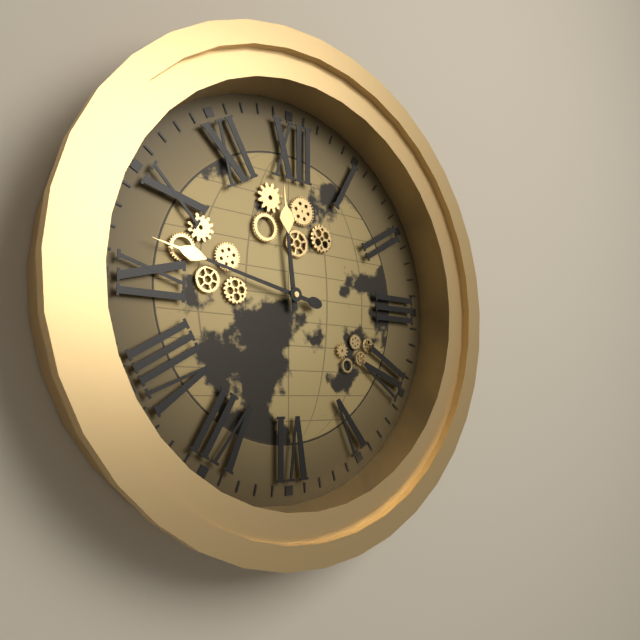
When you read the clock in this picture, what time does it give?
11:47
